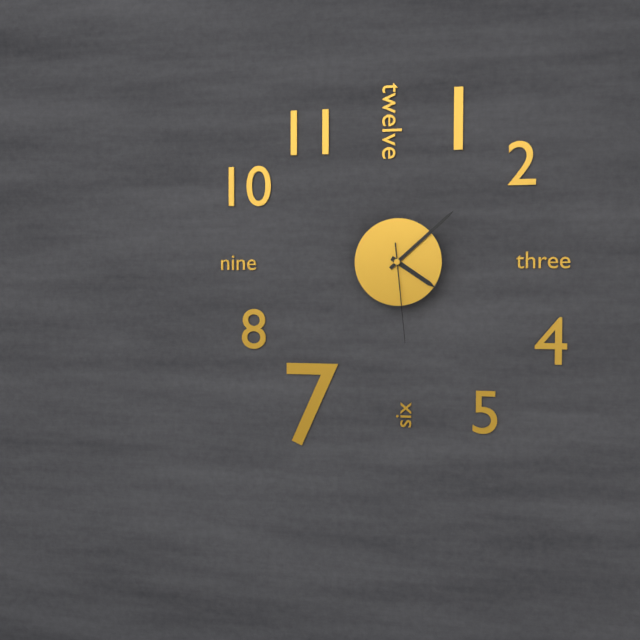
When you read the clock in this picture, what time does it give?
4:08:29
